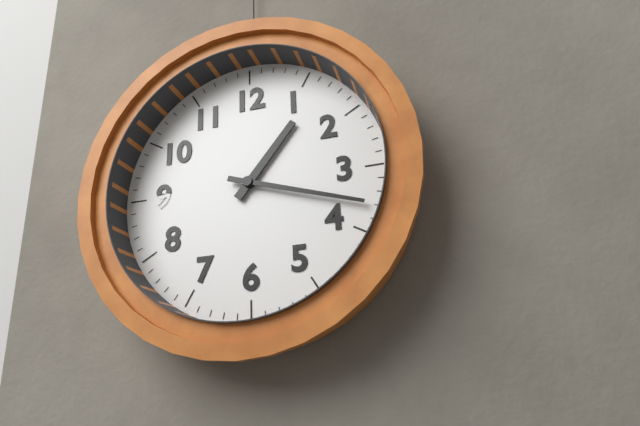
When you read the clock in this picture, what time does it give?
1:18
